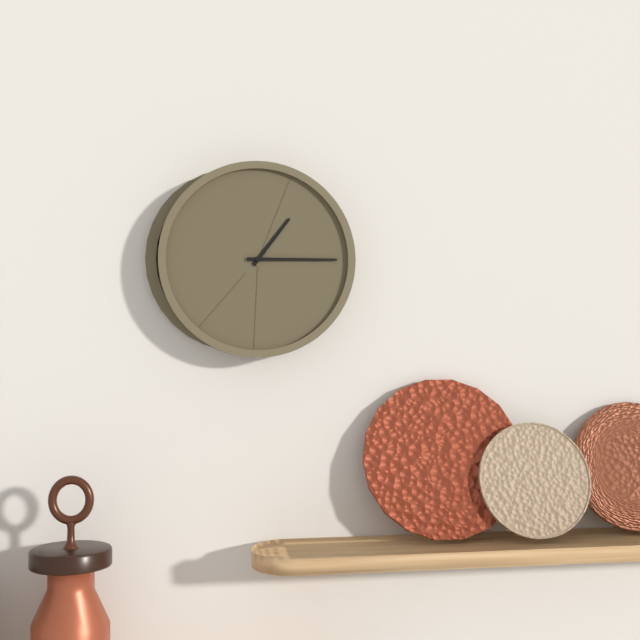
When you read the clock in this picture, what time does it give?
1:15
